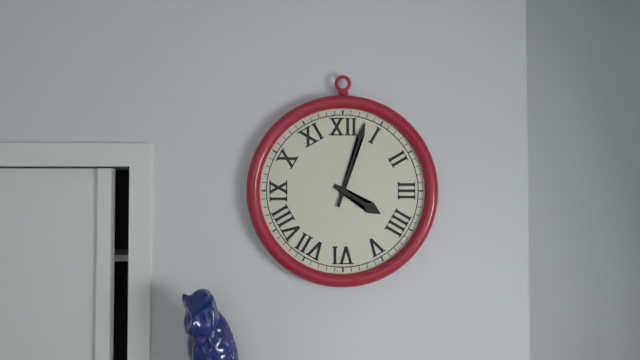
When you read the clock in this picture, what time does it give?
4:03
